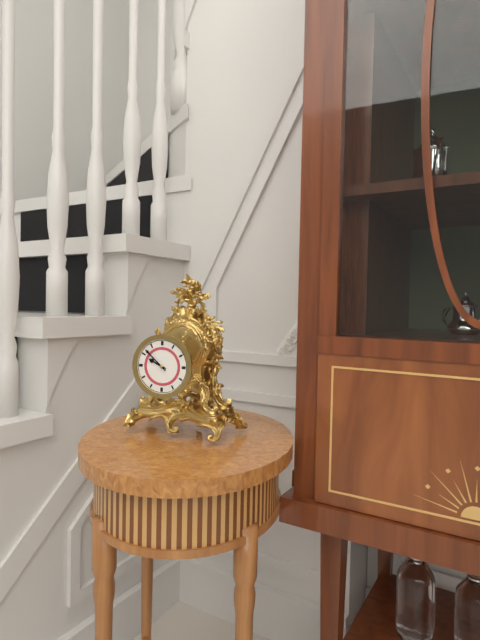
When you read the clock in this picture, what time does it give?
9:52
